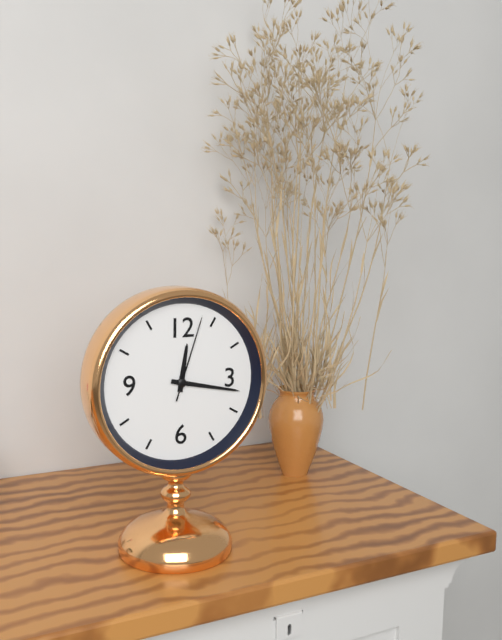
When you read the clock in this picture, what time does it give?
12:17:03
